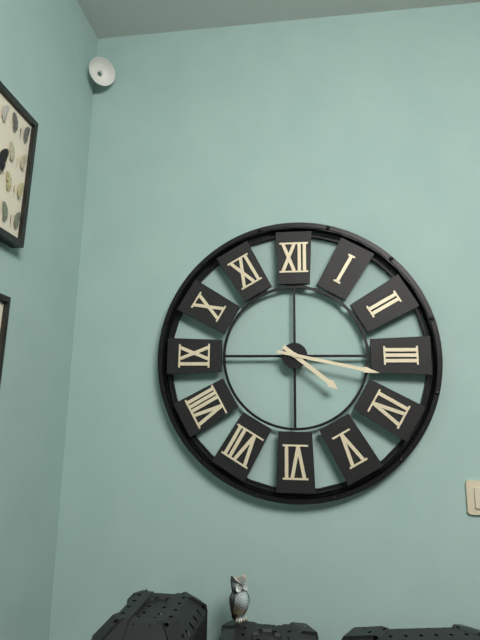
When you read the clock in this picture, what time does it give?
4:17
